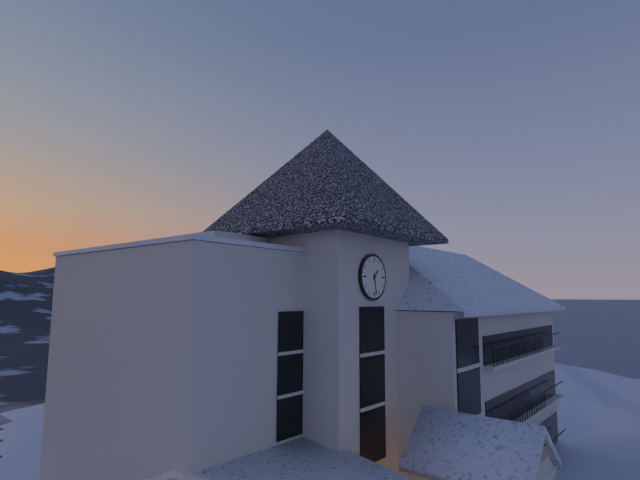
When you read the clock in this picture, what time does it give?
1:28
